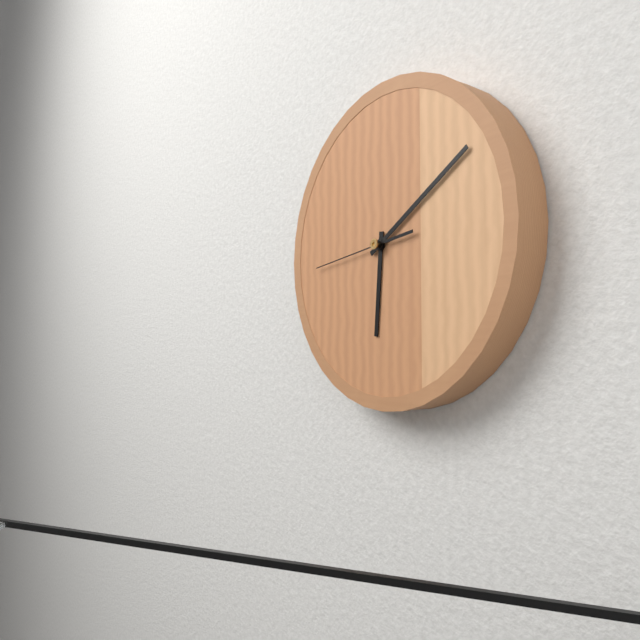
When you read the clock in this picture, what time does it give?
6:10:44
